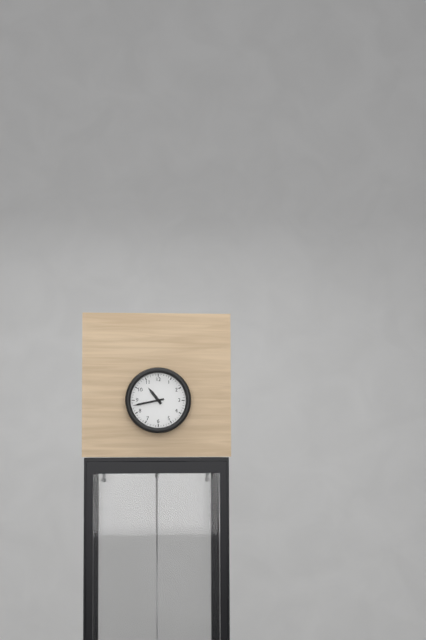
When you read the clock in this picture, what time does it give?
10:43
